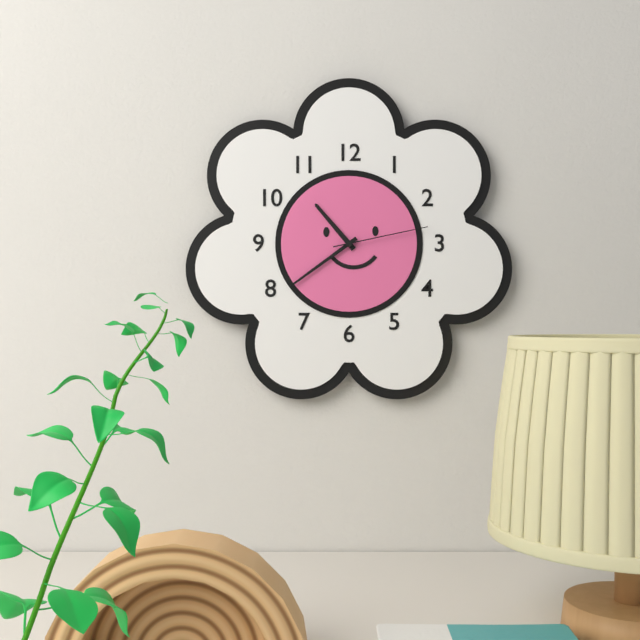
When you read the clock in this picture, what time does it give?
10:39:13
